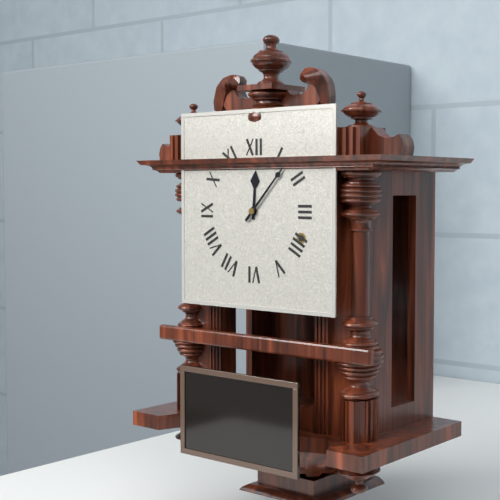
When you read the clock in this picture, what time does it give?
12:07
